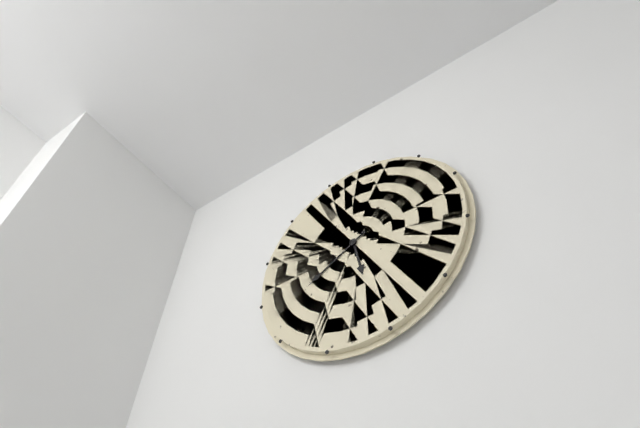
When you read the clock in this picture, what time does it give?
5:40
